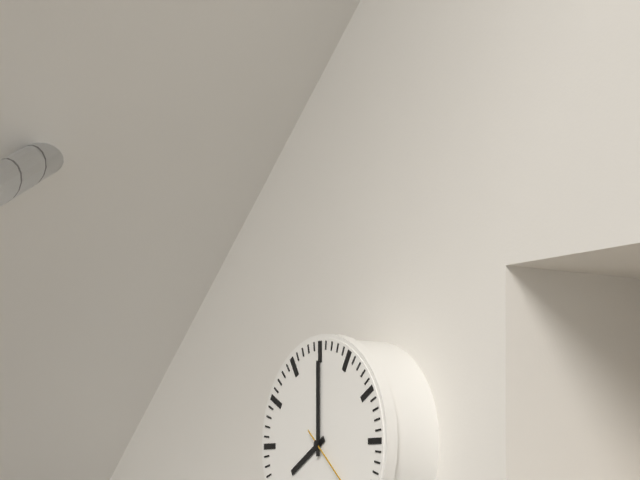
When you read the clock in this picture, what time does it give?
8:00
